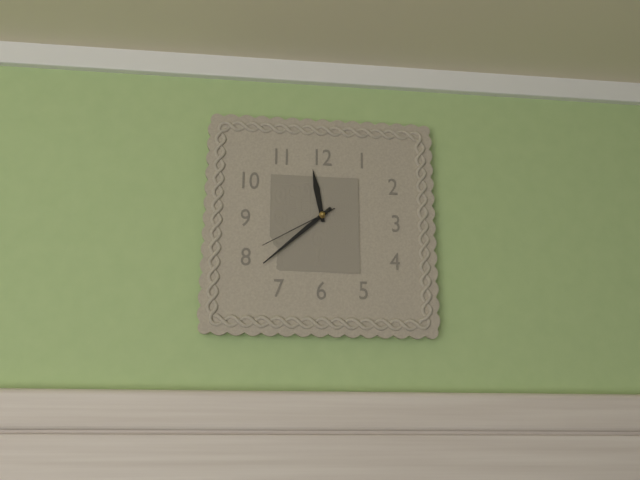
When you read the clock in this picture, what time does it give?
11:38:40
